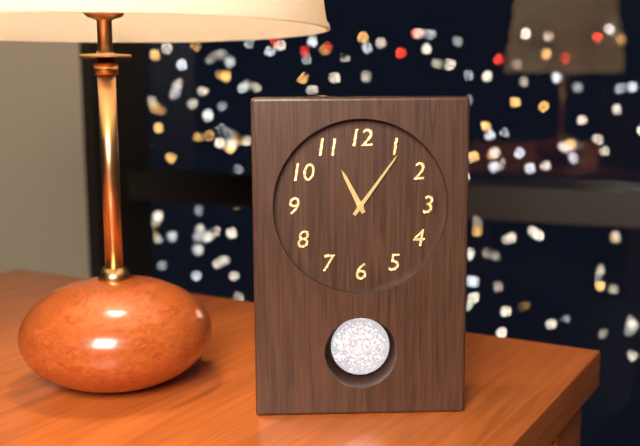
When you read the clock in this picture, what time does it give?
11:06
